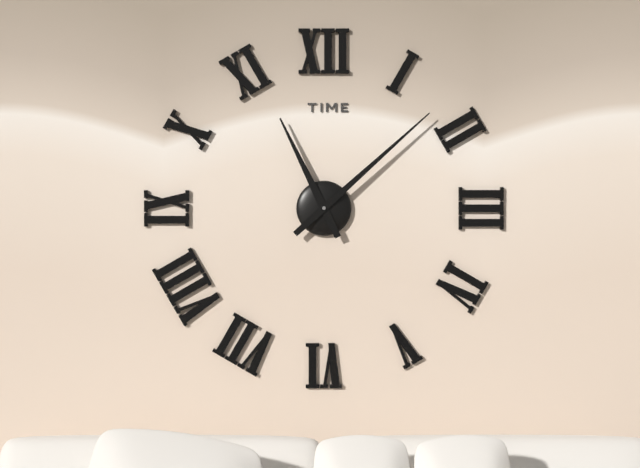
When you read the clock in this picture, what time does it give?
11:08
